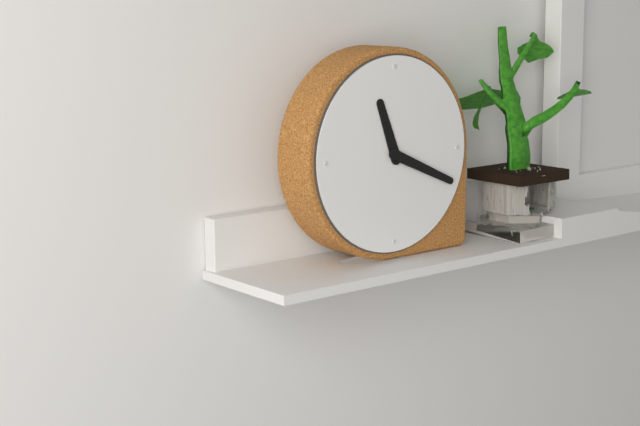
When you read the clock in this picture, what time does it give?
11:19
